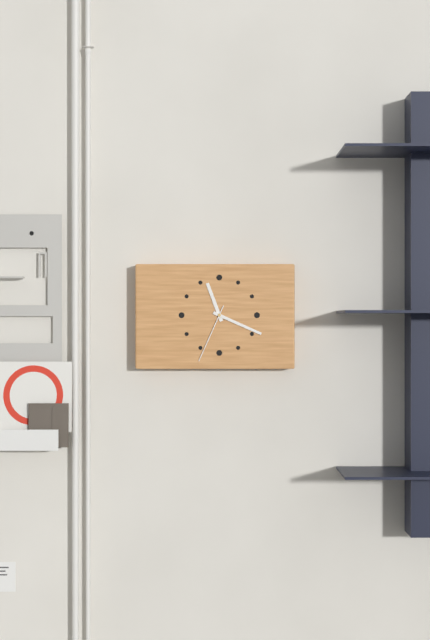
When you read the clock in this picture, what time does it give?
11:19:34
